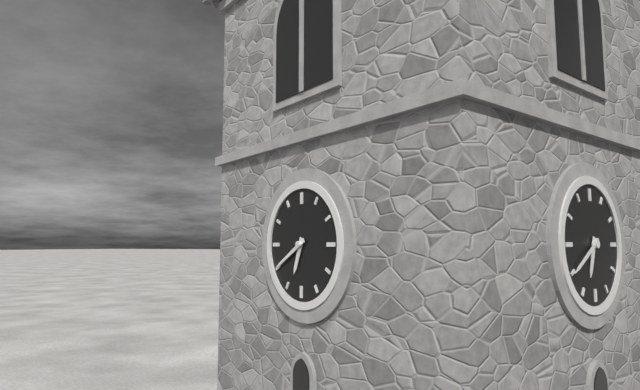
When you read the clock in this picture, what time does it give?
6:40
